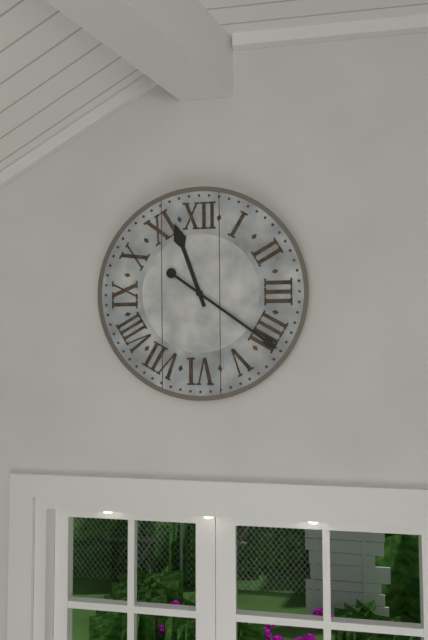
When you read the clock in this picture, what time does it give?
11:21
